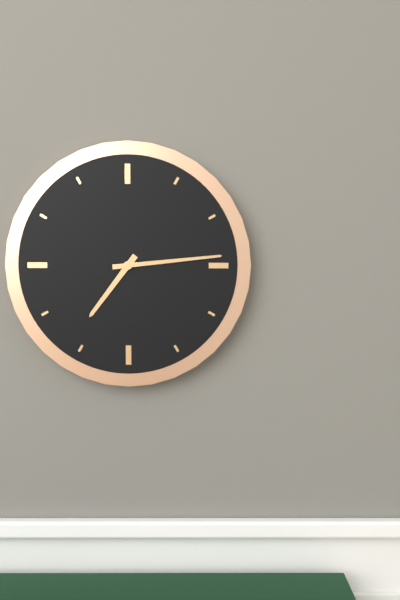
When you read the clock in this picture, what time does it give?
7:14
